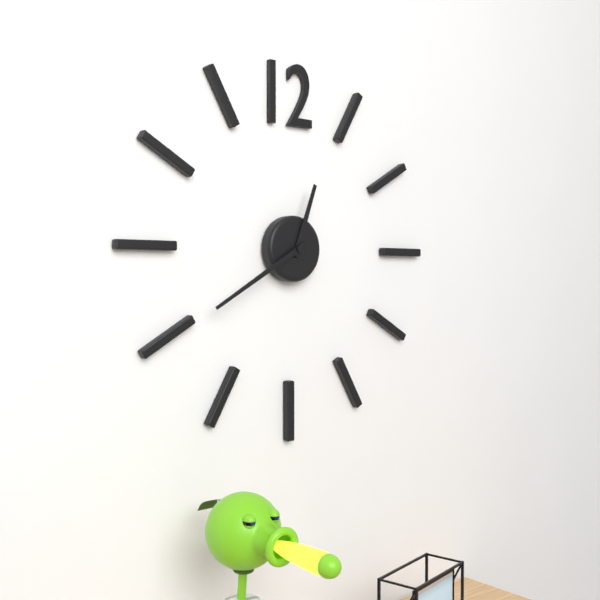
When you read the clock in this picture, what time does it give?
12:40
